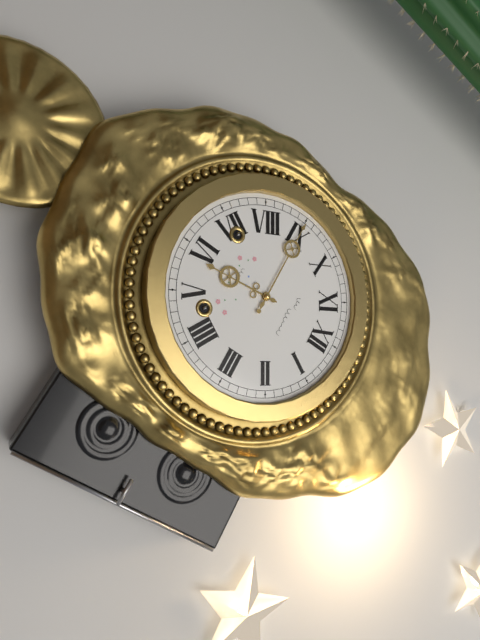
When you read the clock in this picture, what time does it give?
5:45
